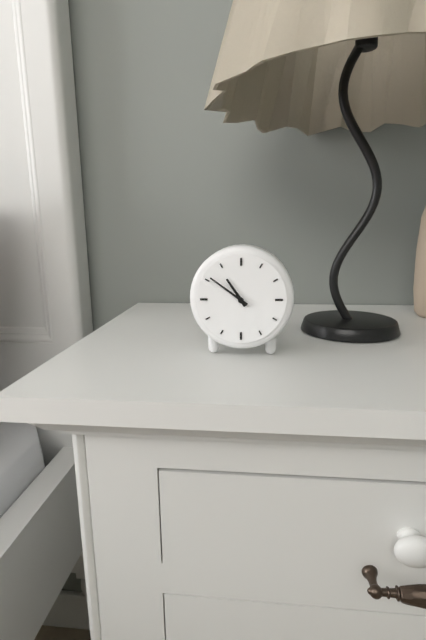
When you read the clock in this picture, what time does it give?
10:51
